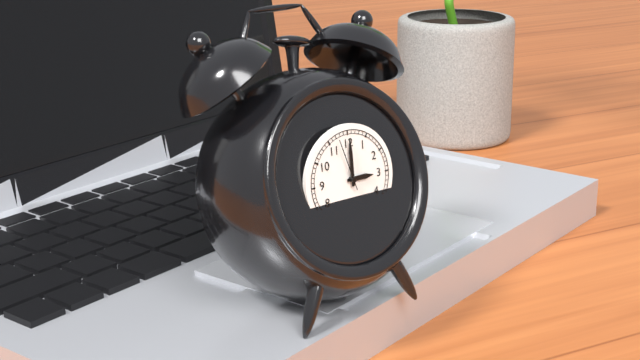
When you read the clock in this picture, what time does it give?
3:00:57
